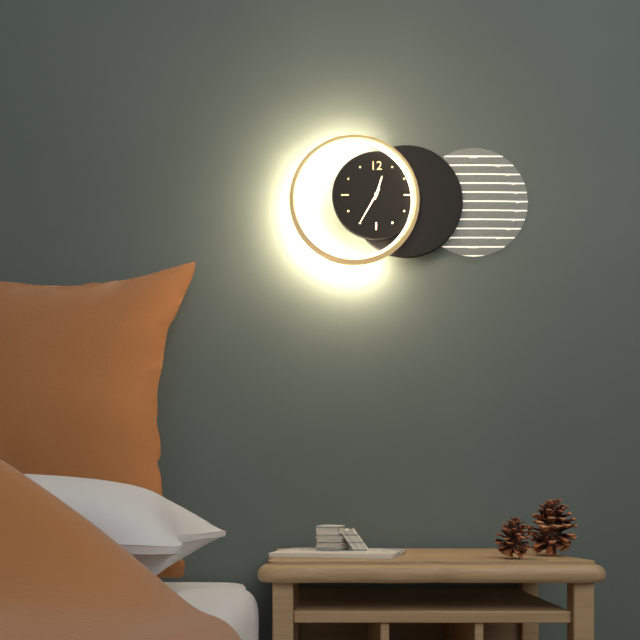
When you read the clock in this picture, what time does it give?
12:35
